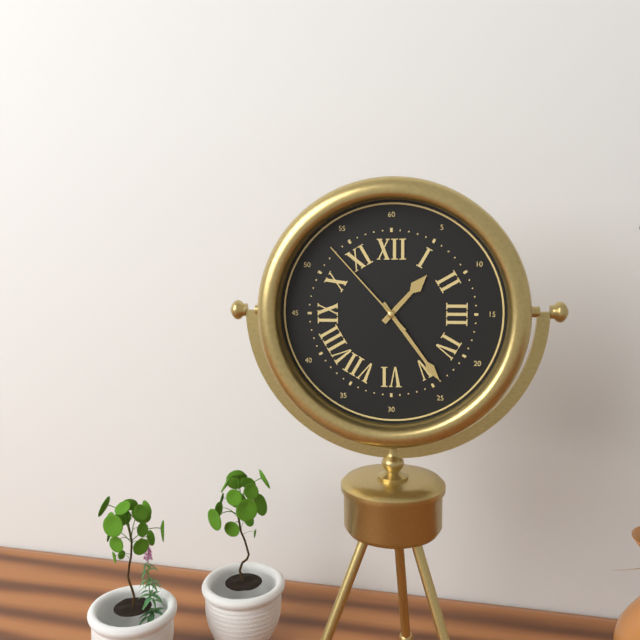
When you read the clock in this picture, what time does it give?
1:24:53
